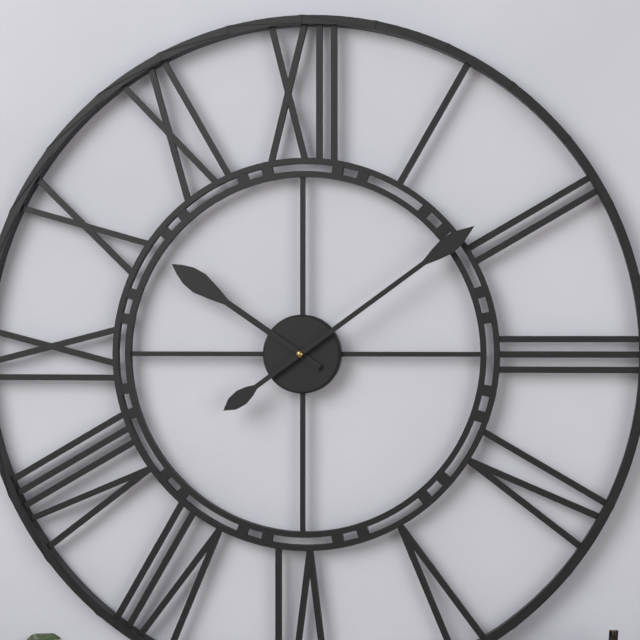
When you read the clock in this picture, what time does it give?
10:09
